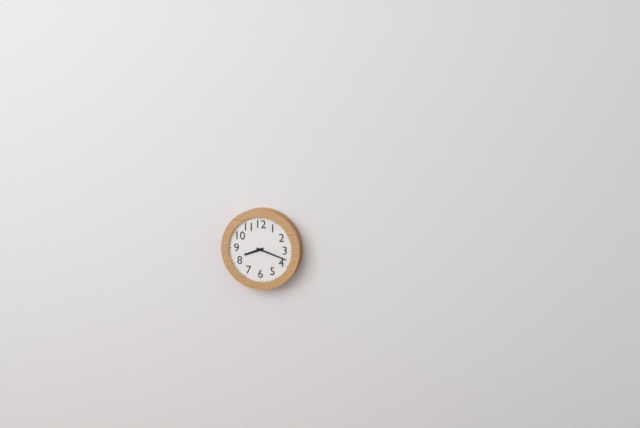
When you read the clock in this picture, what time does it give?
8:18
